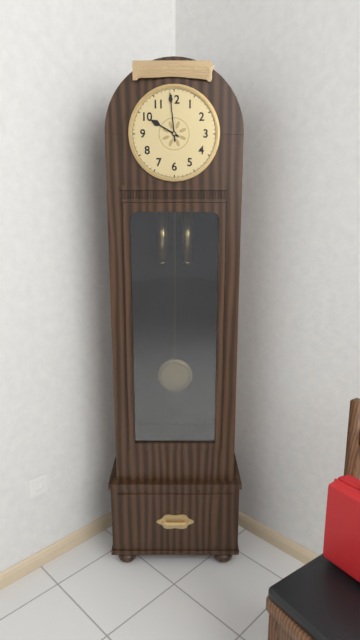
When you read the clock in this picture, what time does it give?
9:59
